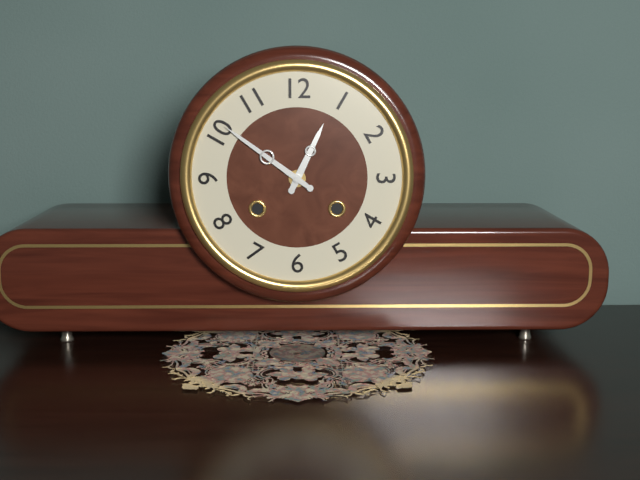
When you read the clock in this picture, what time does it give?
12:51
